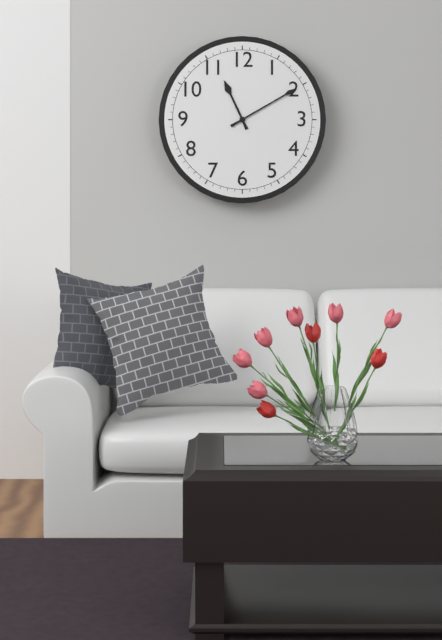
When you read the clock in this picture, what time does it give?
11:10
